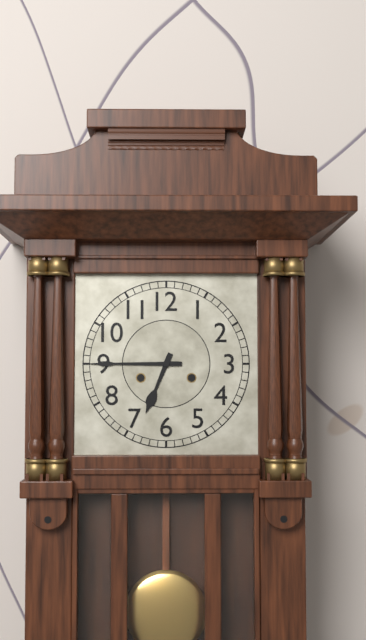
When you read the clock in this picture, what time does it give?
6:45
